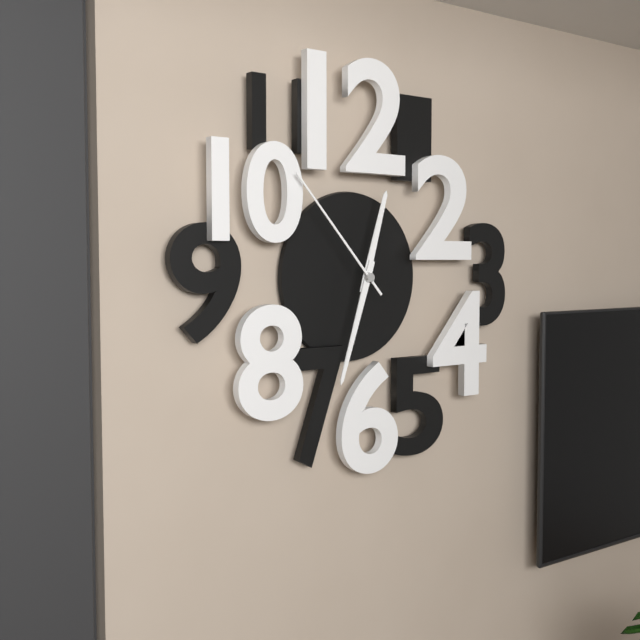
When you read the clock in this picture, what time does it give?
12:33:53
